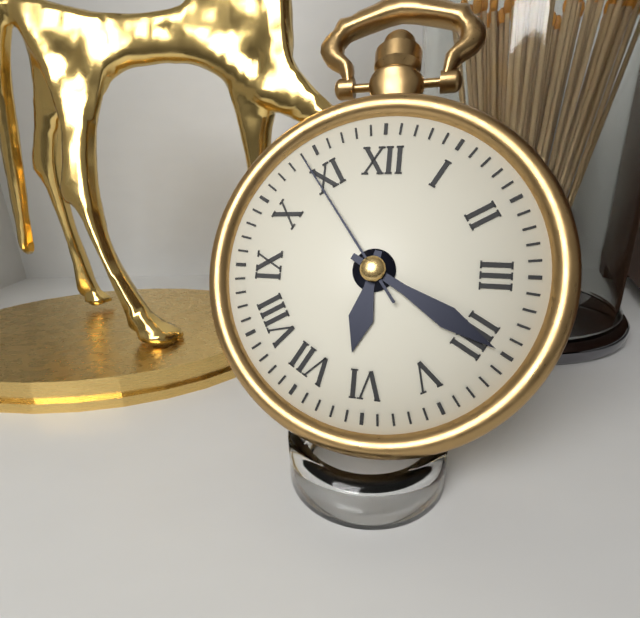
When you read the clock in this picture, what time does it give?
6:20:54
